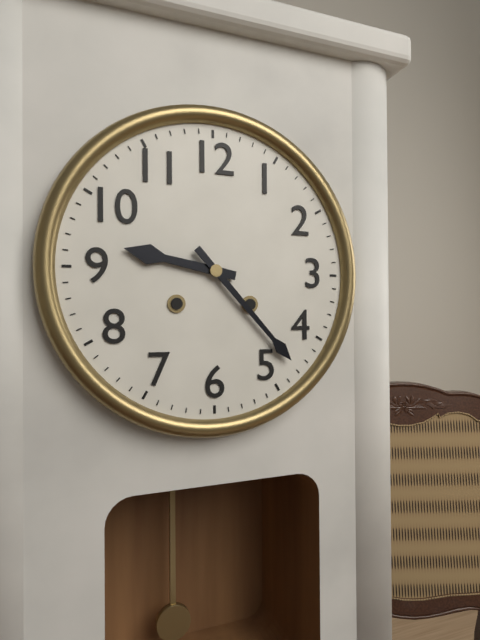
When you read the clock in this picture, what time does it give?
9:23
